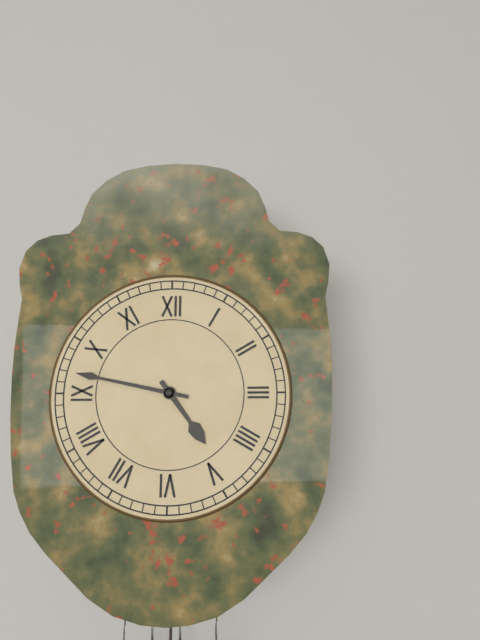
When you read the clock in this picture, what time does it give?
4:47
